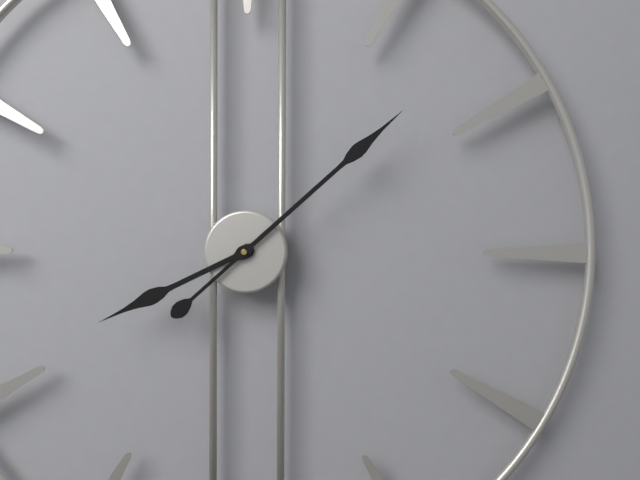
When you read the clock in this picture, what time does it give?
8:08
